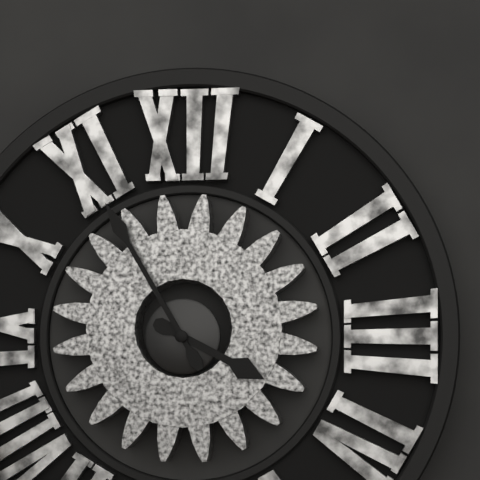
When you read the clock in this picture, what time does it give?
3:55
